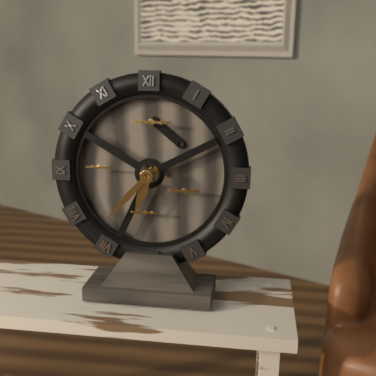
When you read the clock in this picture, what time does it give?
6:37
